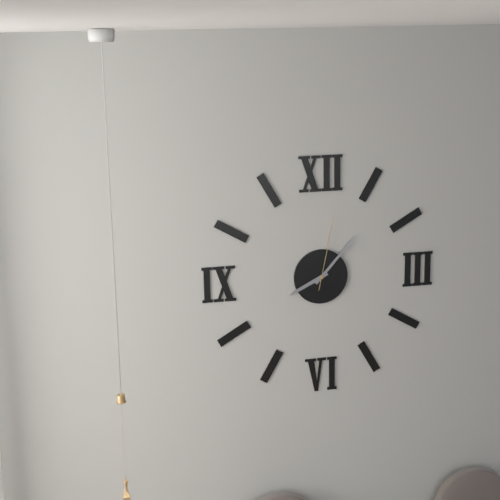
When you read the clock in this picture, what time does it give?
8:07:02
